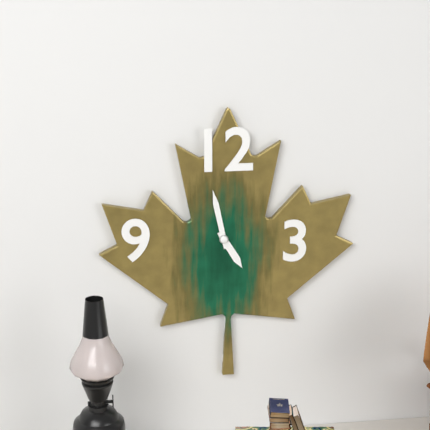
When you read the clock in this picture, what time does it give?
4:58
